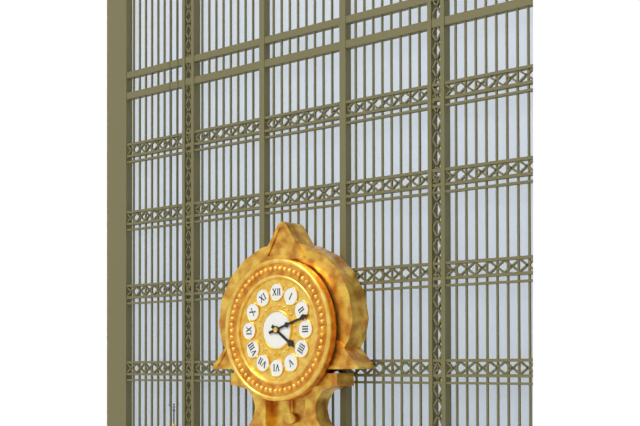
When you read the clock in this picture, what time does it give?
4:12
